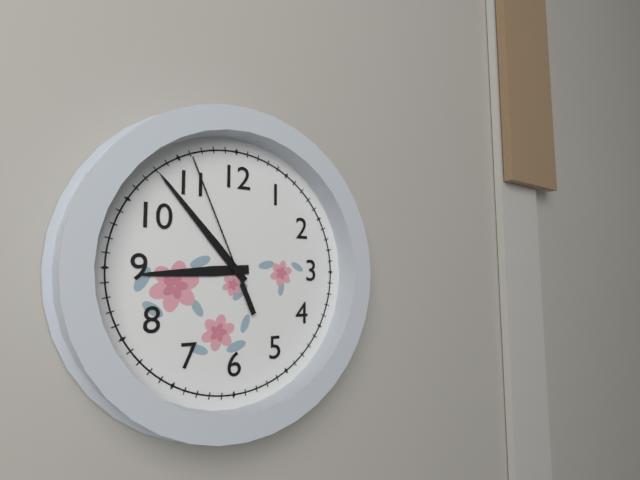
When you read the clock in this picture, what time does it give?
8:53:56
